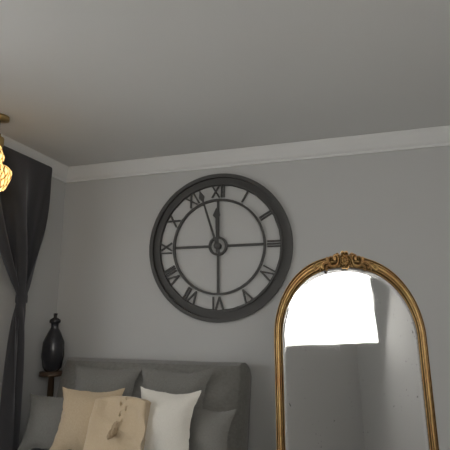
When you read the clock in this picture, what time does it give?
11:57
